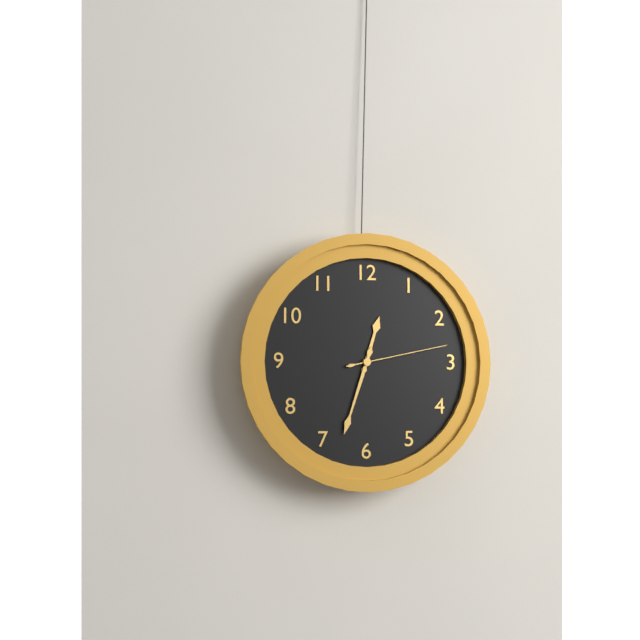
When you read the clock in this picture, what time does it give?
12:33:13
